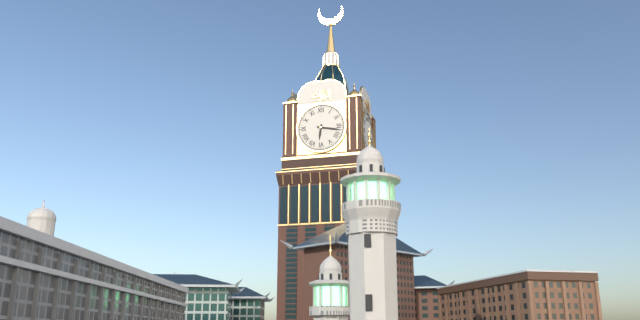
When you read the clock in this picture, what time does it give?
6:17
